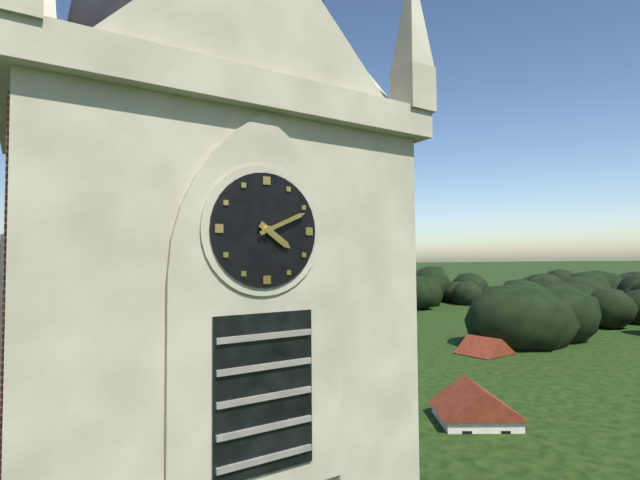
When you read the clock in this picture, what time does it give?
4:11
